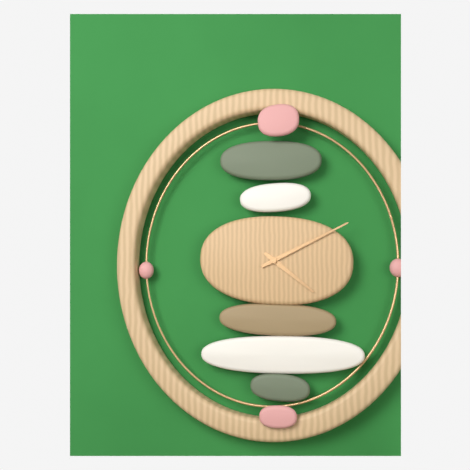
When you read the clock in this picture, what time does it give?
4:11
